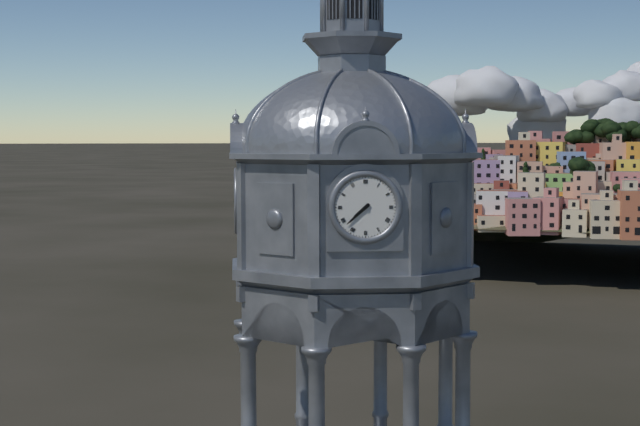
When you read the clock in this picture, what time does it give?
7:38
